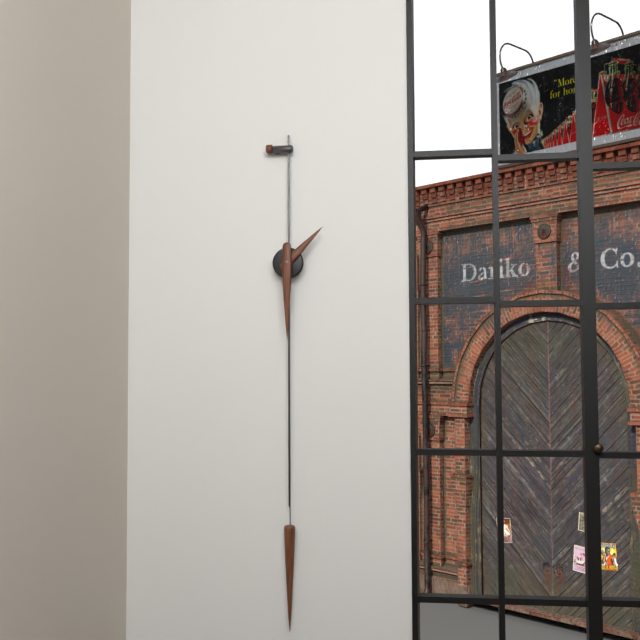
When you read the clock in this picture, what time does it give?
1:30
